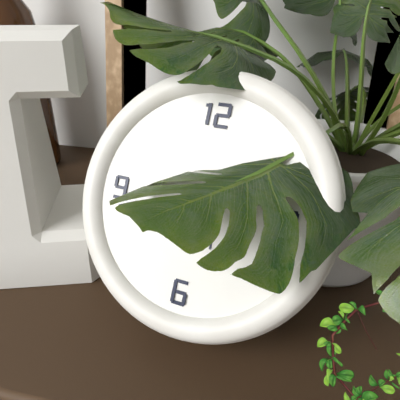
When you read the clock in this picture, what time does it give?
1:43
